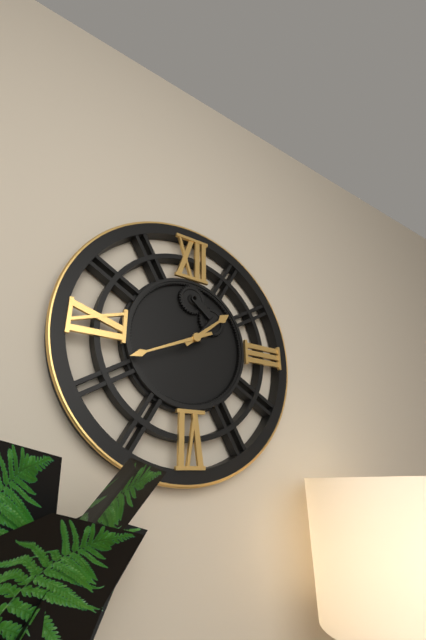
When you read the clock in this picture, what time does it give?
1:41
